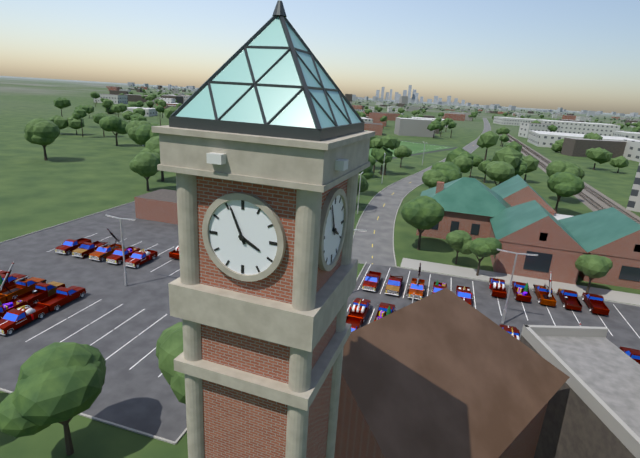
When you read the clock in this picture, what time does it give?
3:56
